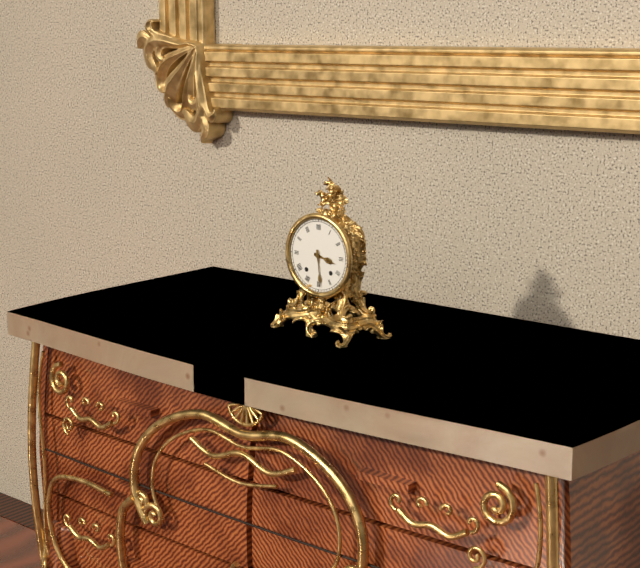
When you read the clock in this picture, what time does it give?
3:29
